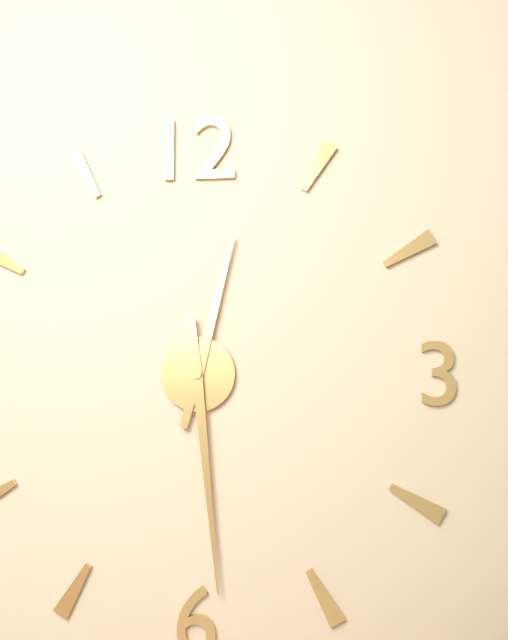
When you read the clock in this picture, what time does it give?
12:29
